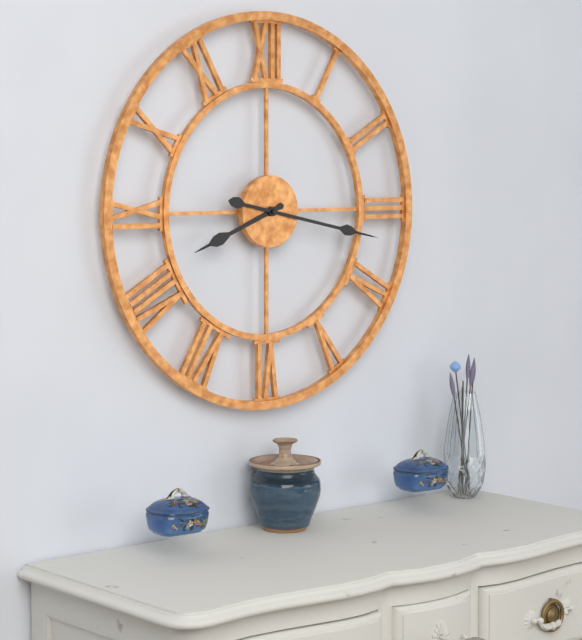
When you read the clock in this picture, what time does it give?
8:17
